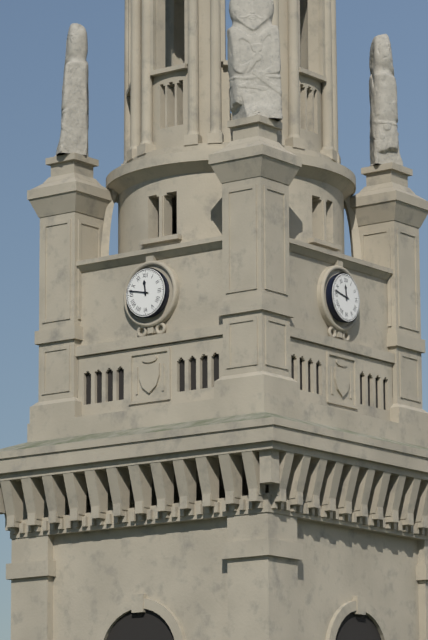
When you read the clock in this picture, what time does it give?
11:47
